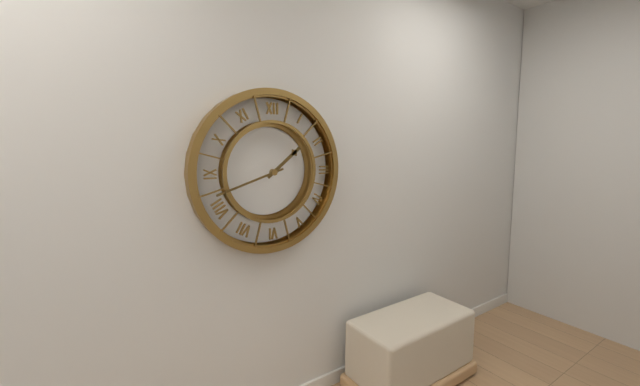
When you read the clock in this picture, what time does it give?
1:42
